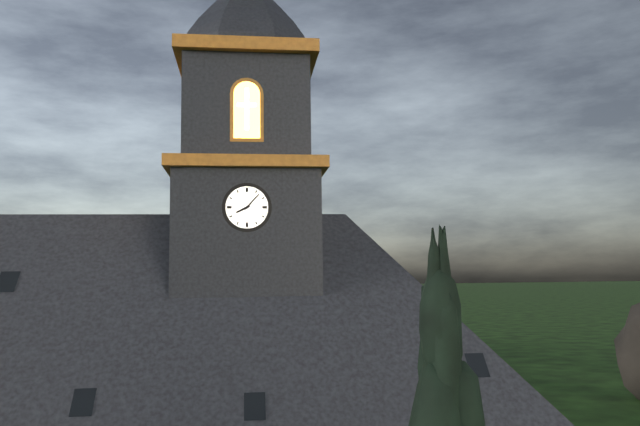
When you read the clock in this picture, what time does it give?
8:07
